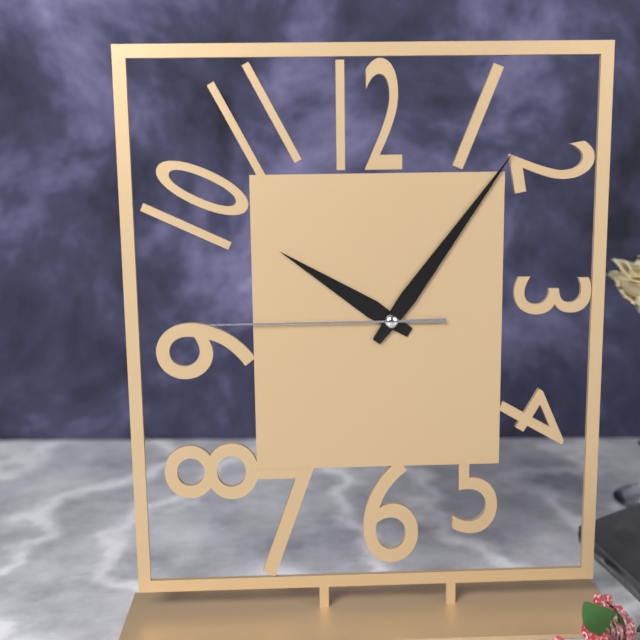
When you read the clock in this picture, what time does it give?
10:06:45
